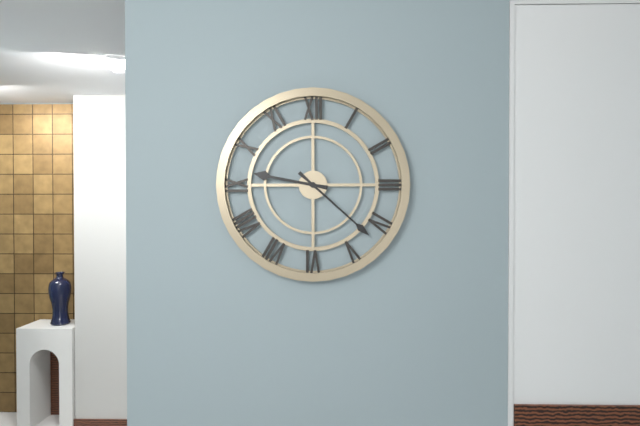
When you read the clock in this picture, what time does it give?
9:22
